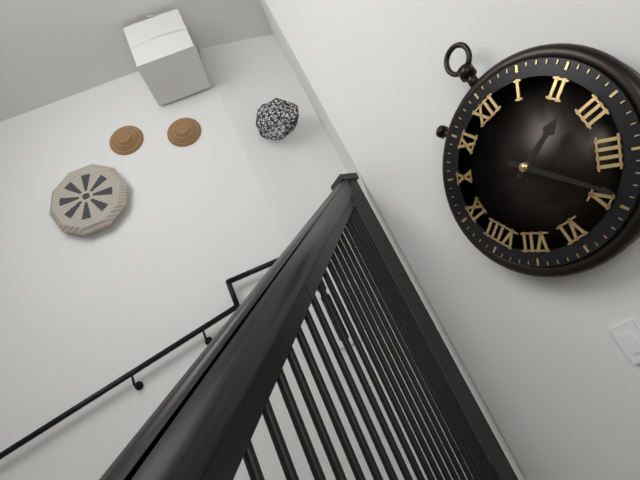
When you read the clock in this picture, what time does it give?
2:24
